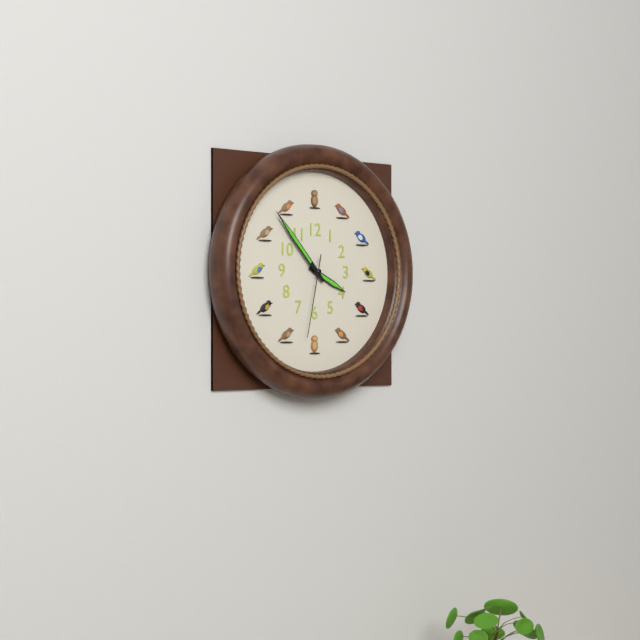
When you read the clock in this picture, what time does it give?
3:53:32
